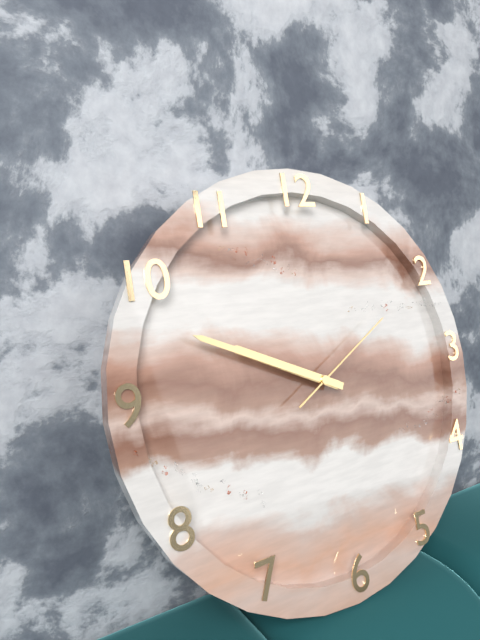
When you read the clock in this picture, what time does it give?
9:49:10
